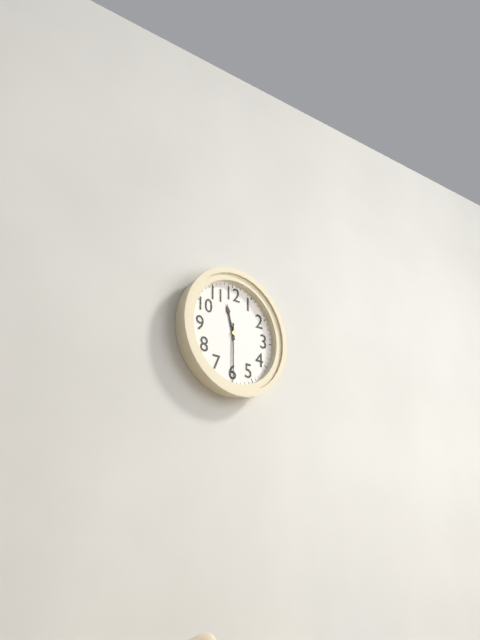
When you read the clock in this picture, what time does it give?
11:30
